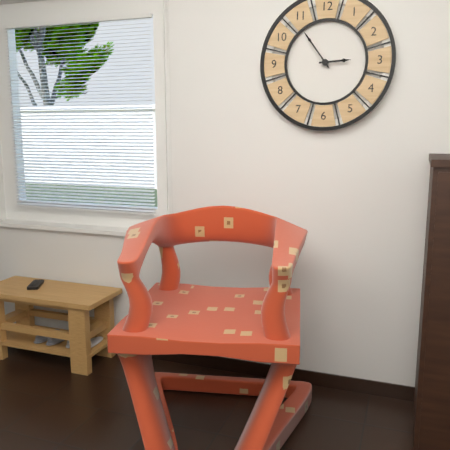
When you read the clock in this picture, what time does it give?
2:54
